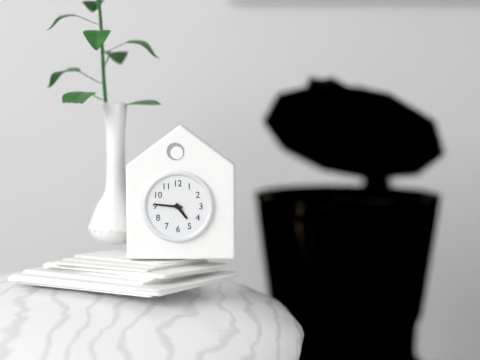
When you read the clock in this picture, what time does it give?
4:46
